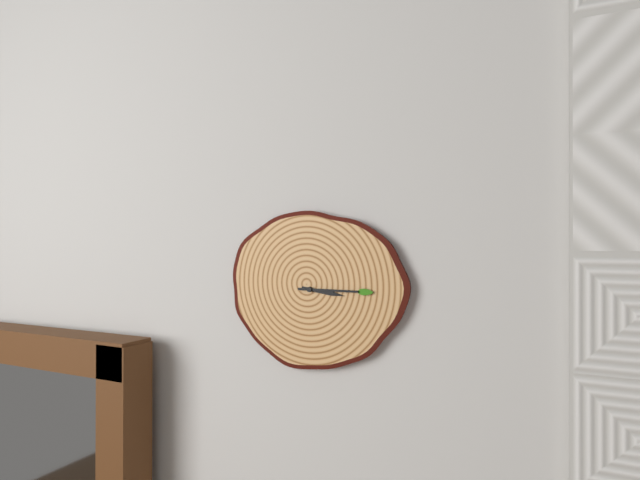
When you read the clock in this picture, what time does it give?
3:15
